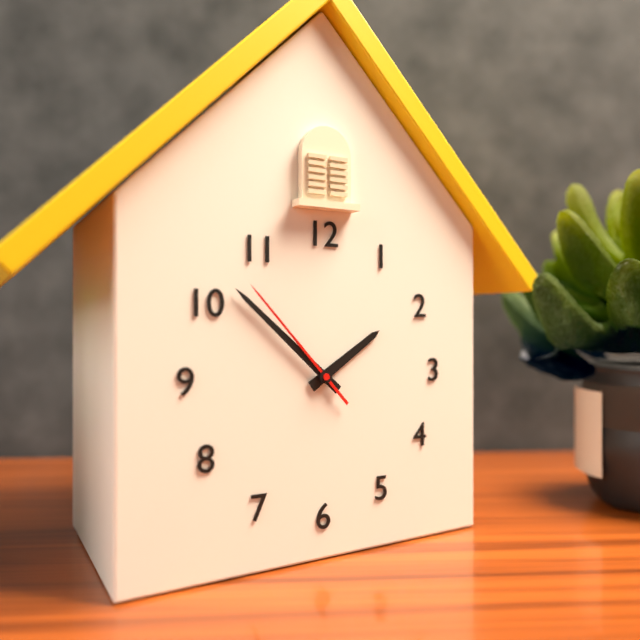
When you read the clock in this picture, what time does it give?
1:52:53
